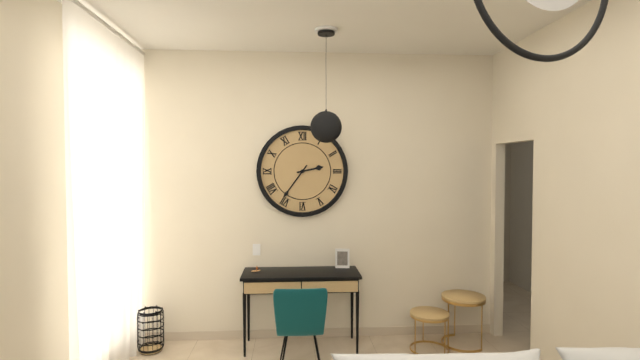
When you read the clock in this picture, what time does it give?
2:36
